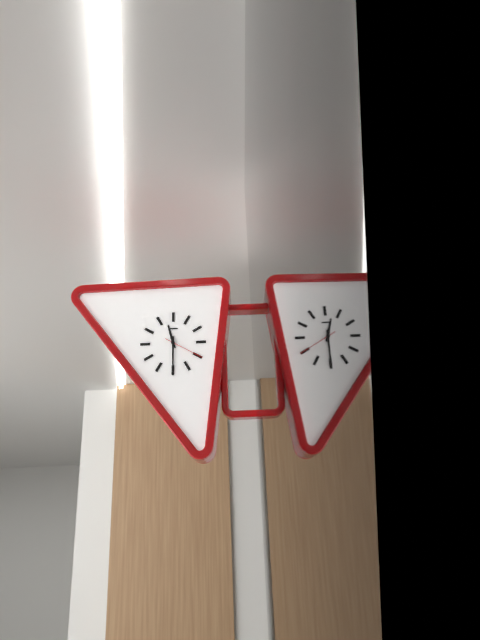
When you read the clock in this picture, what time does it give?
11:30
